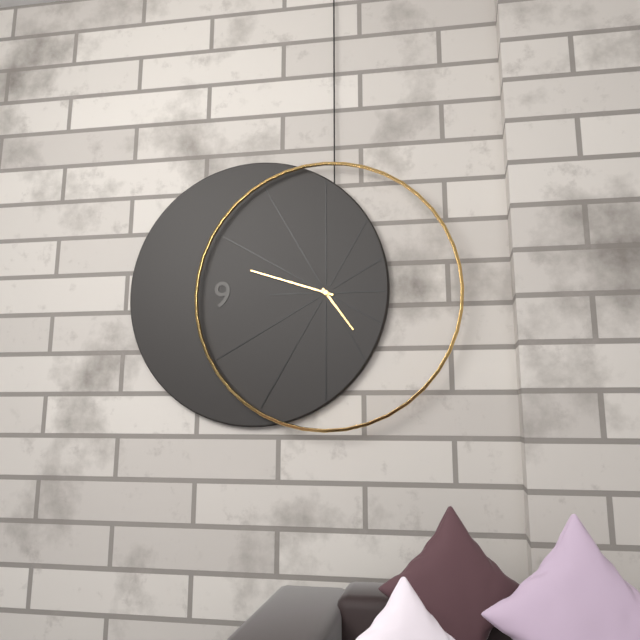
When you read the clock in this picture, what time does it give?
4:48
